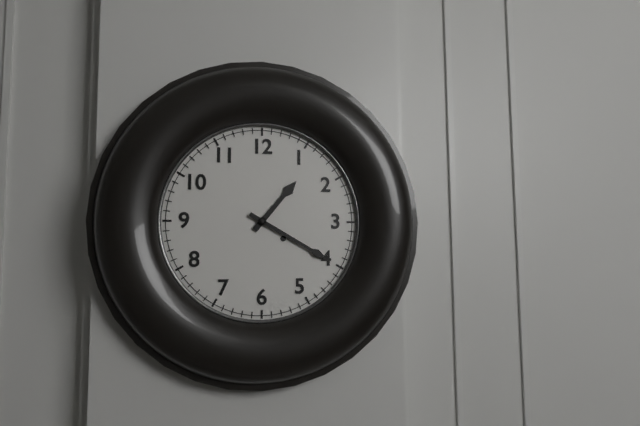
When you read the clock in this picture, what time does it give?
1:20
